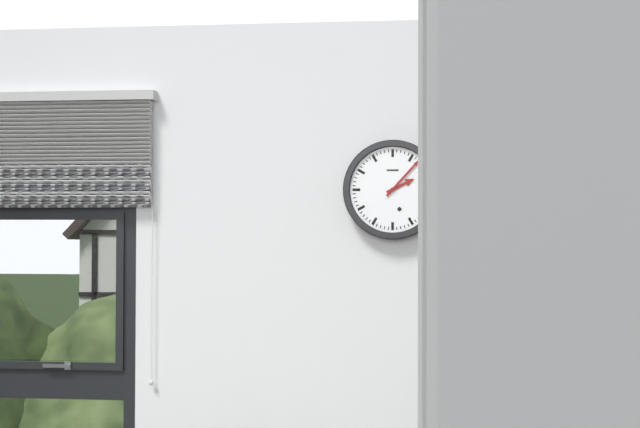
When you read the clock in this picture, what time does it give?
2:07
